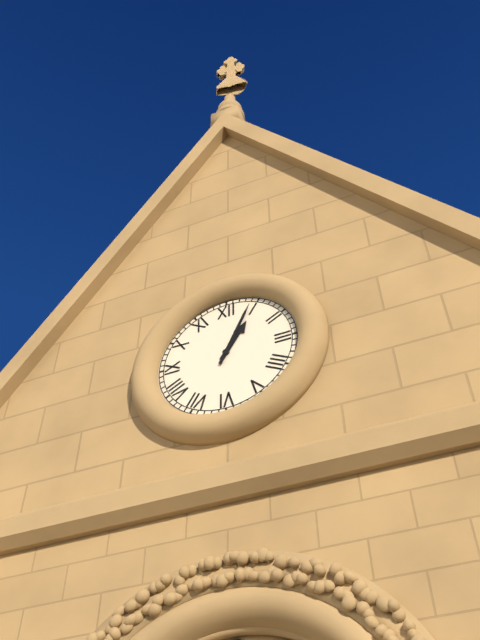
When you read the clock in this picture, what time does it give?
1:04
